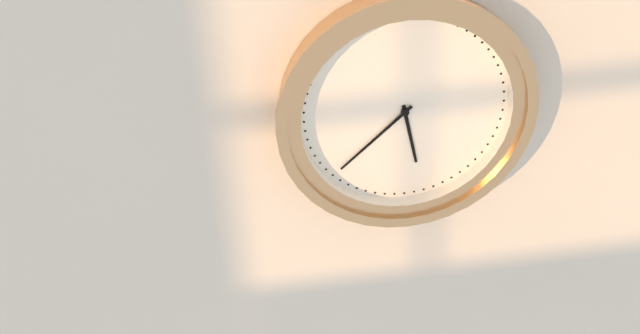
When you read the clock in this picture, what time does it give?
5:38
